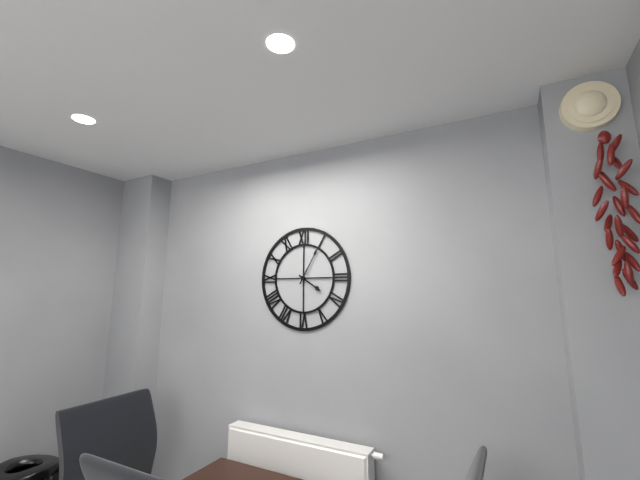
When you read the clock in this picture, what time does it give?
4:05
